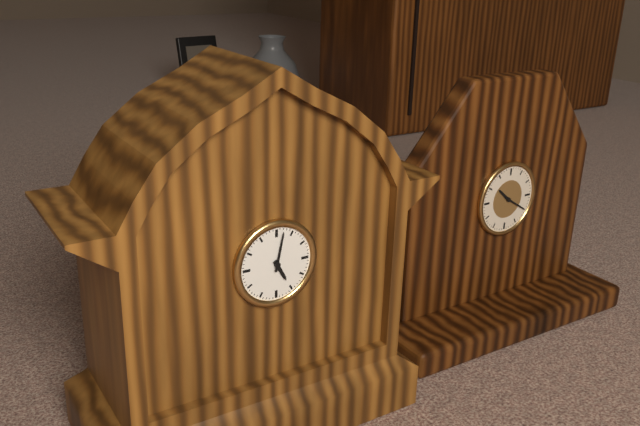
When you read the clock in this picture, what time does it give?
5:02
